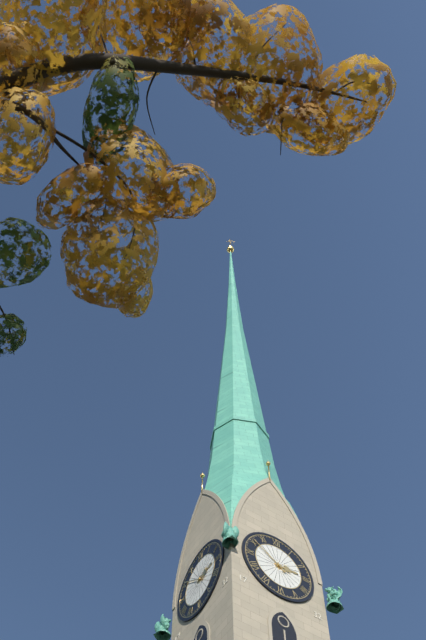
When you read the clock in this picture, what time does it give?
2:51
